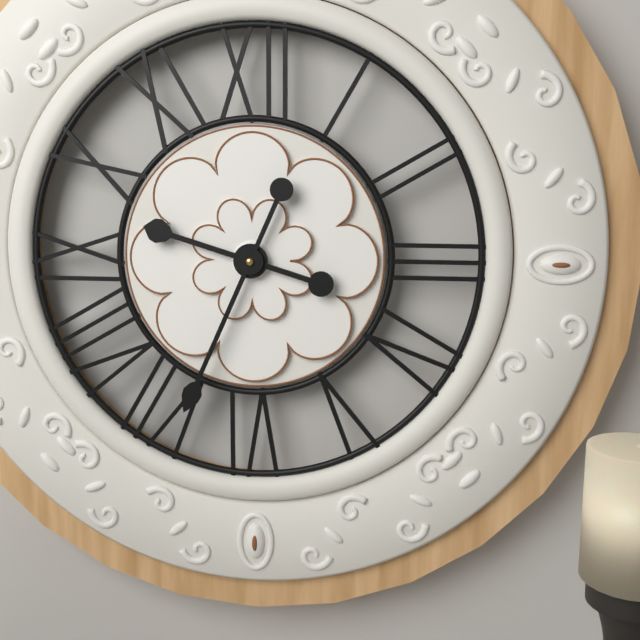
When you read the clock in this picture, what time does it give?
9:34
